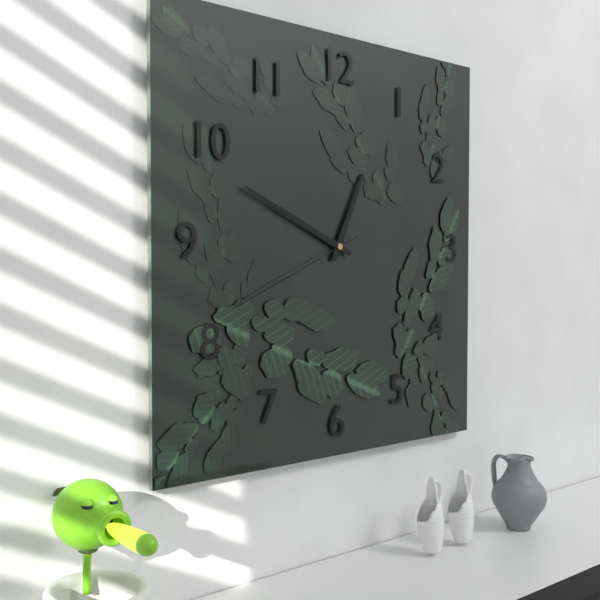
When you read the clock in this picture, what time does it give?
12:49:41
